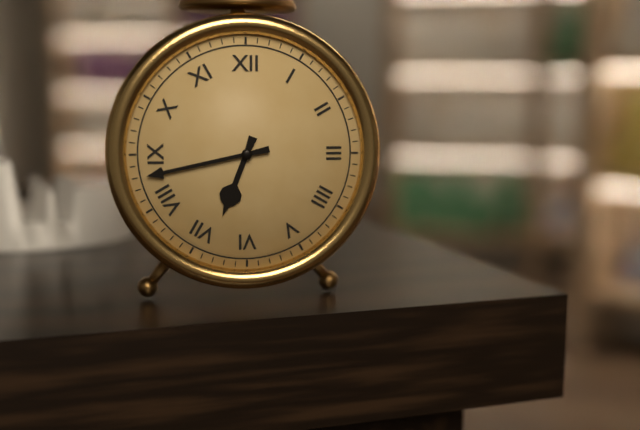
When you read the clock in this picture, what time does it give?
6:43
